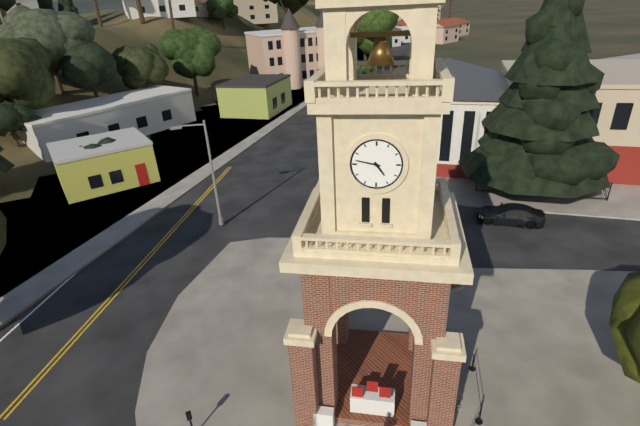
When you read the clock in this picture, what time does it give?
4:47
